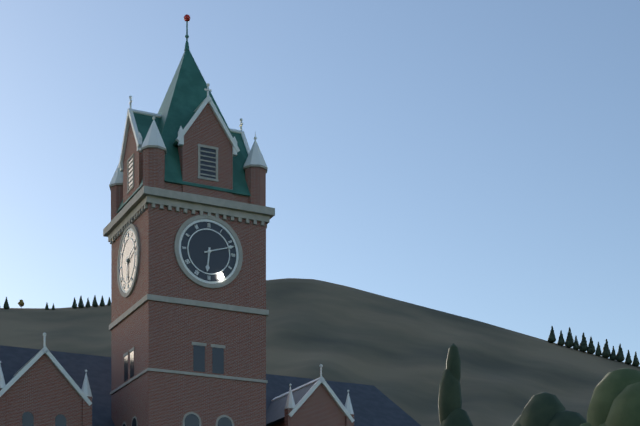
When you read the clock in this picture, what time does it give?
6:12
